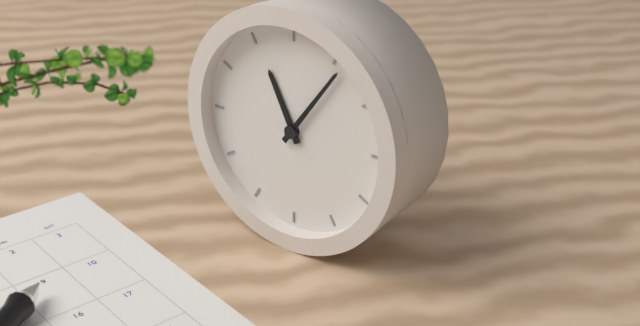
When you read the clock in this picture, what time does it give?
11:06
